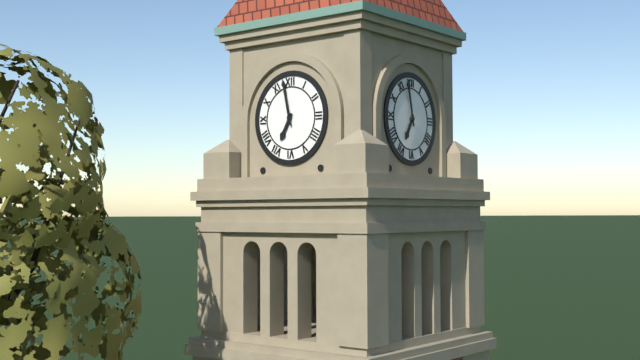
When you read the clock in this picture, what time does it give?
6:58
